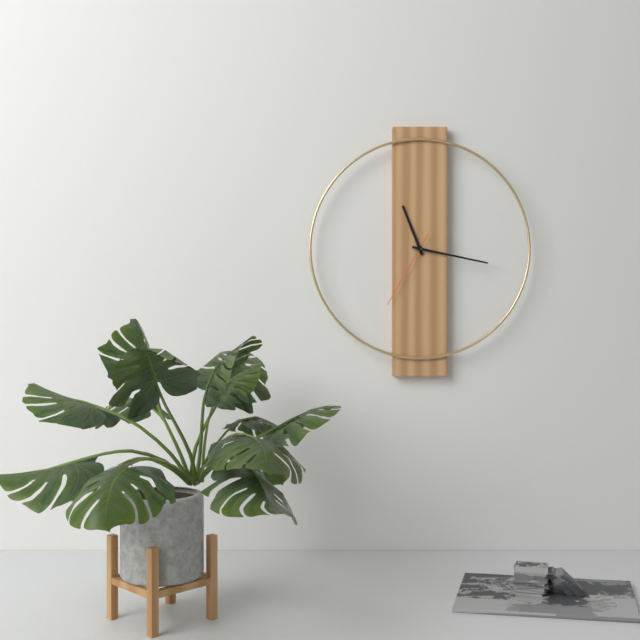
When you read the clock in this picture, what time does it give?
11:17:35
